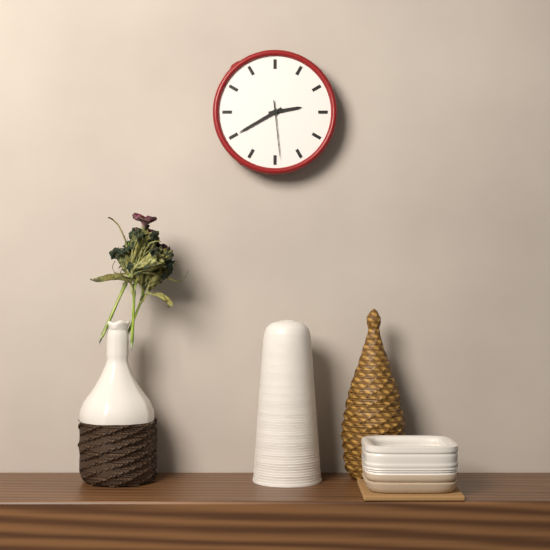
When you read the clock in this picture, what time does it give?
2:40:29
